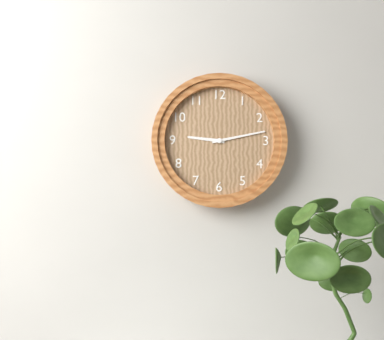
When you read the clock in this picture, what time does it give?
9:13
